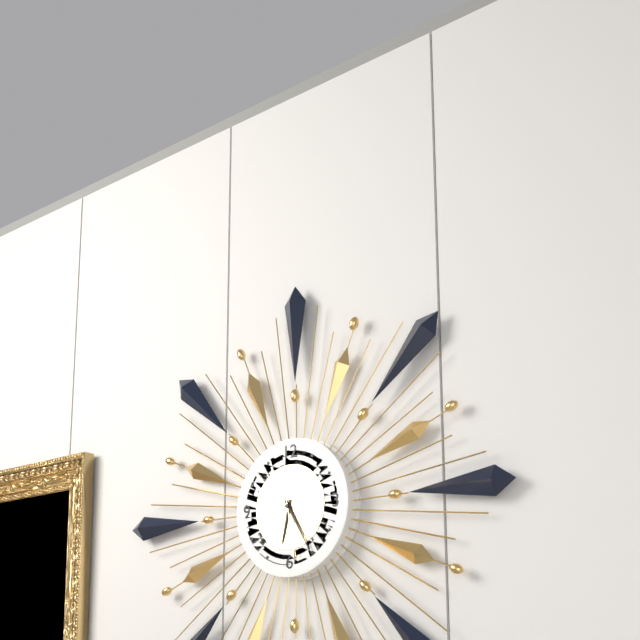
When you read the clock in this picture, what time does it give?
6:25:28
